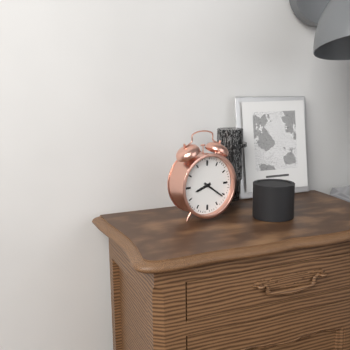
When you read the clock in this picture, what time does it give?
8:21
